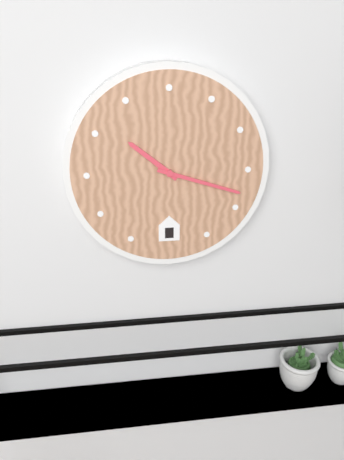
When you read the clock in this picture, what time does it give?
10:18
